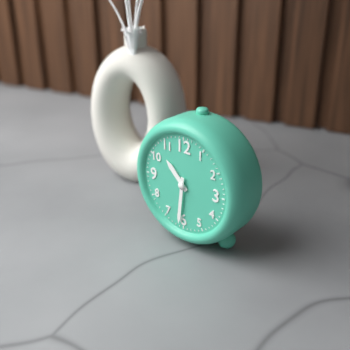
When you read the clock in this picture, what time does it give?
10:31
